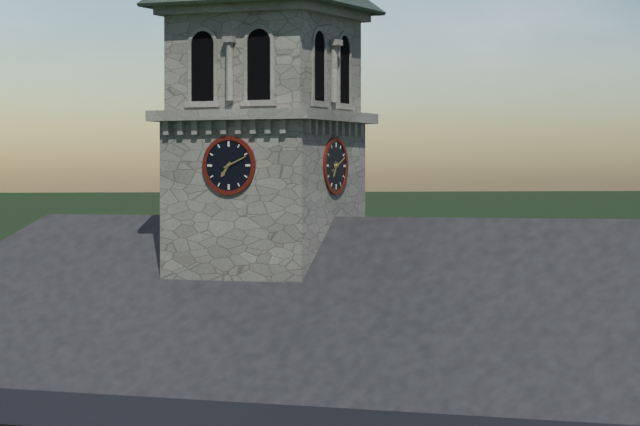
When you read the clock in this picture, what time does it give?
7:11
